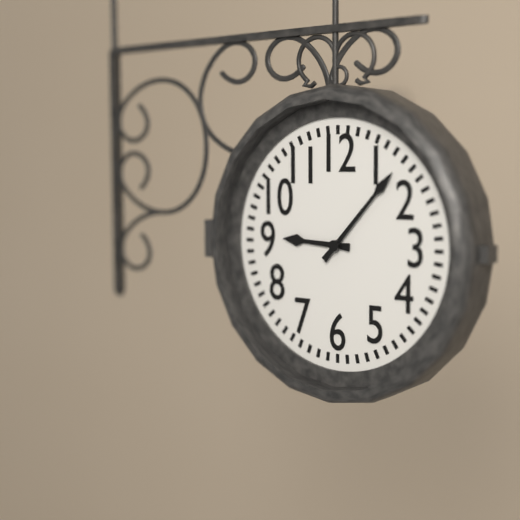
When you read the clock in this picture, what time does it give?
9:07
